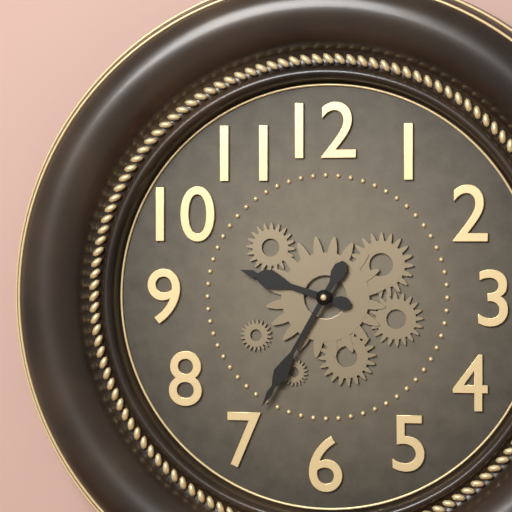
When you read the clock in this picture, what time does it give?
9:35
